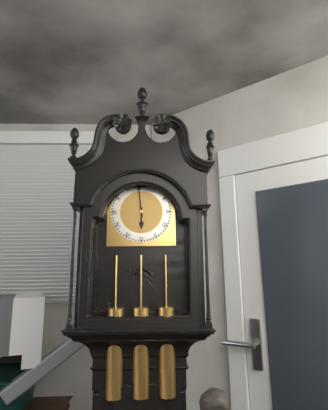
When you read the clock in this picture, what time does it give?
5:59
